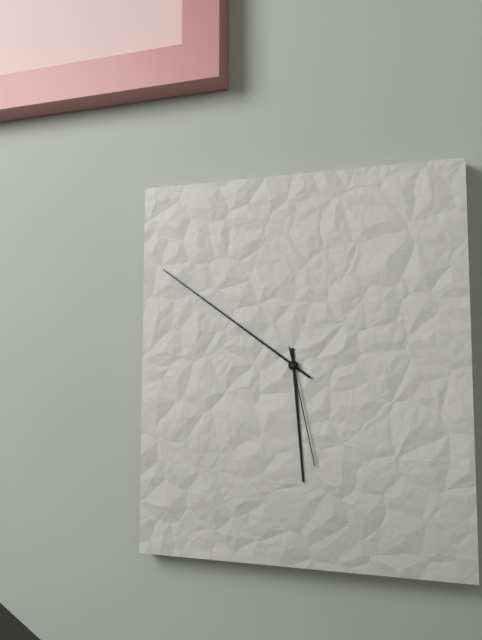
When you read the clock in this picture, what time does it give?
5:51:28
